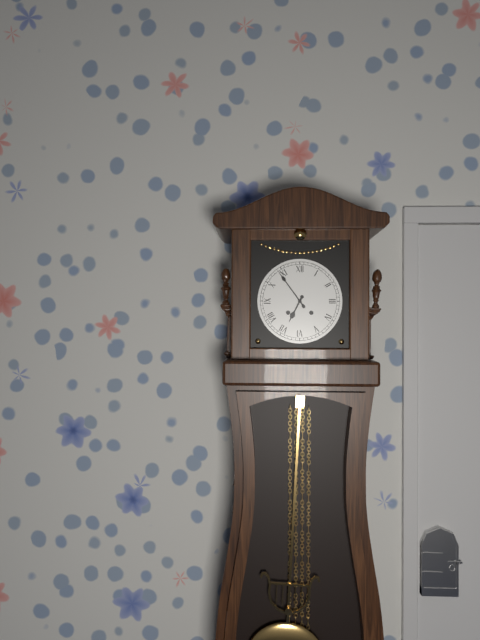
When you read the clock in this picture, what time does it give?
6:54
